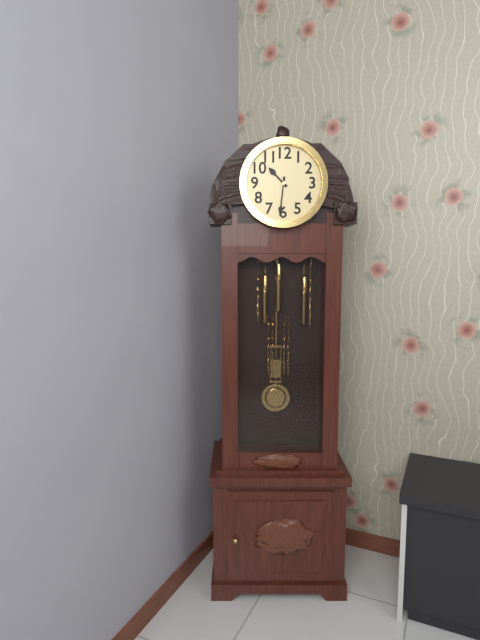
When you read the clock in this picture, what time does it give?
10:31
